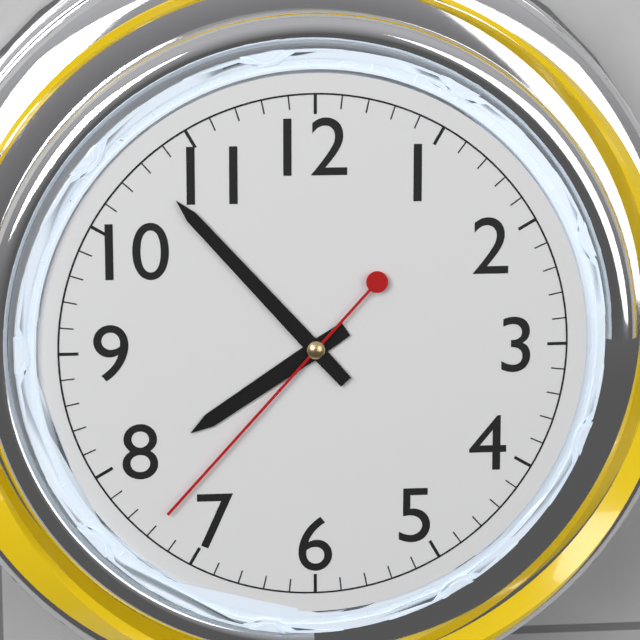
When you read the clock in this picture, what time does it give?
7:53:37
